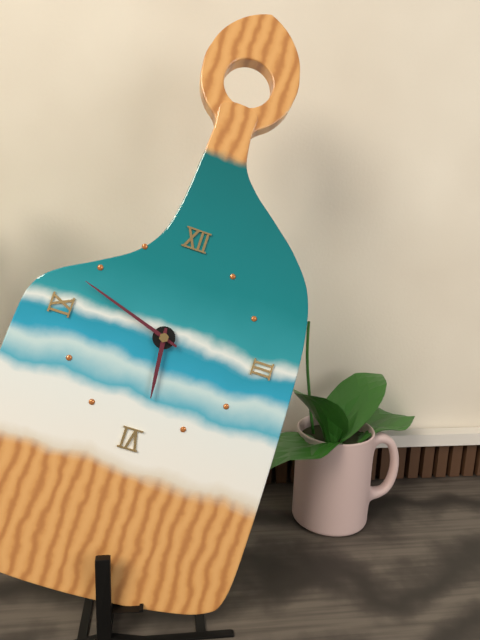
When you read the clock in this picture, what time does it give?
5:48
